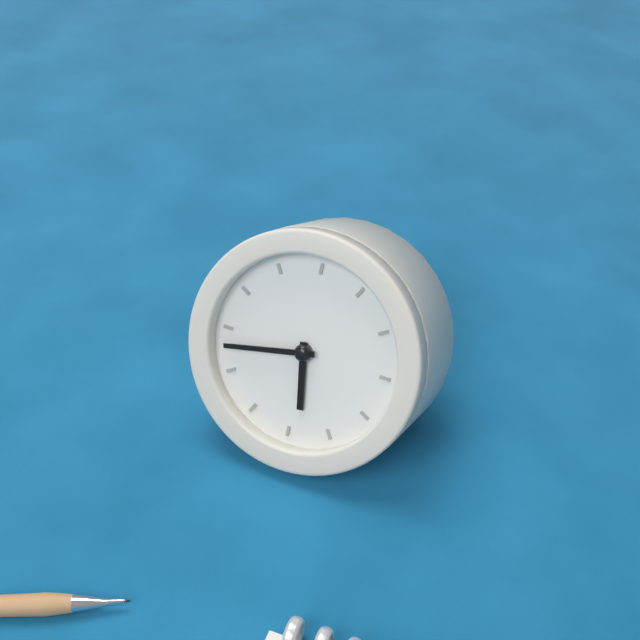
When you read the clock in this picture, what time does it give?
5:43
